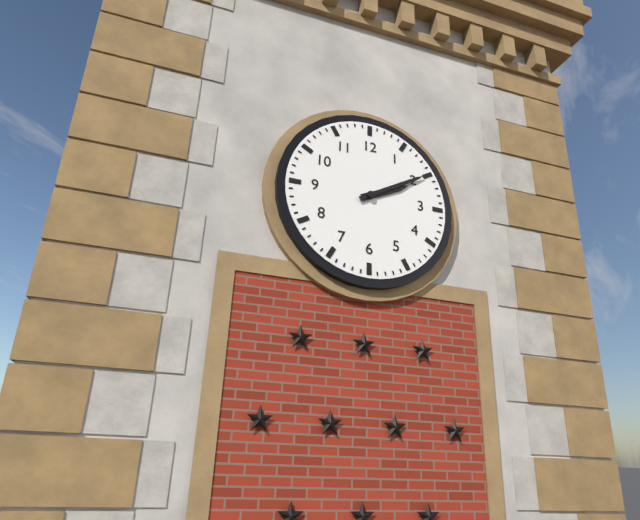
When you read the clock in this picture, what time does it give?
2:10
